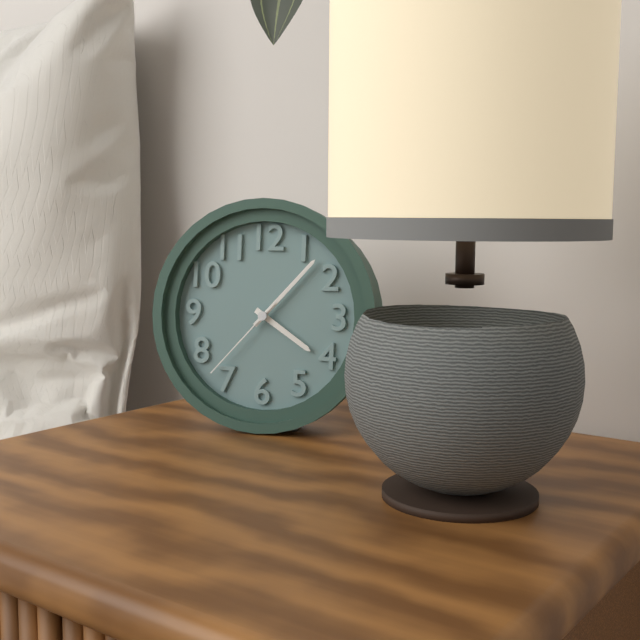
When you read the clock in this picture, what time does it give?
4:07:37
